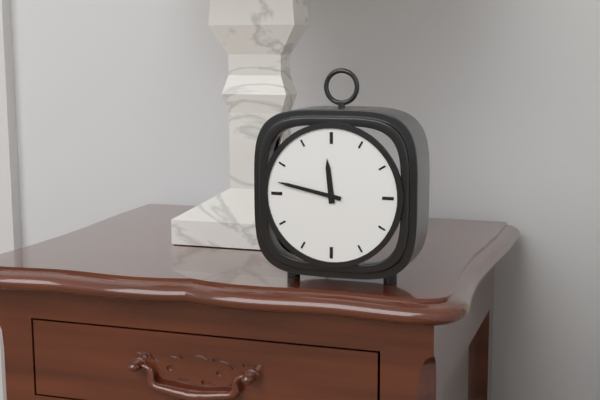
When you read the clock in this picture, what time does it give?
11:47
